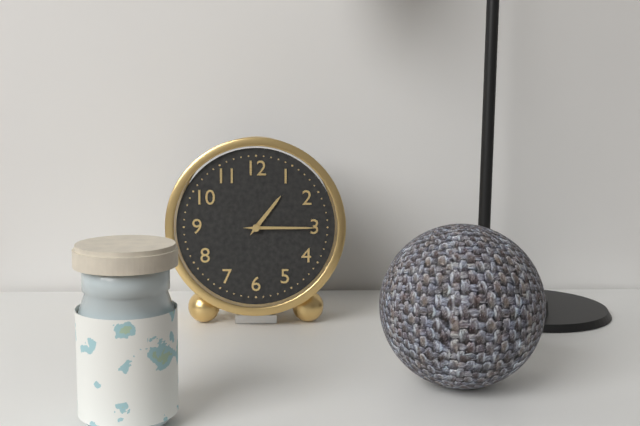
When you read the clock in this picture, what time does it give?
1:15
